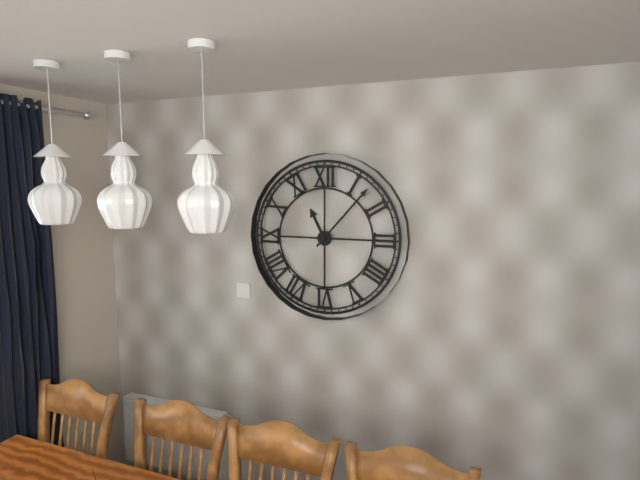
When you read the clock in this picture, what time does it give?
11:07
